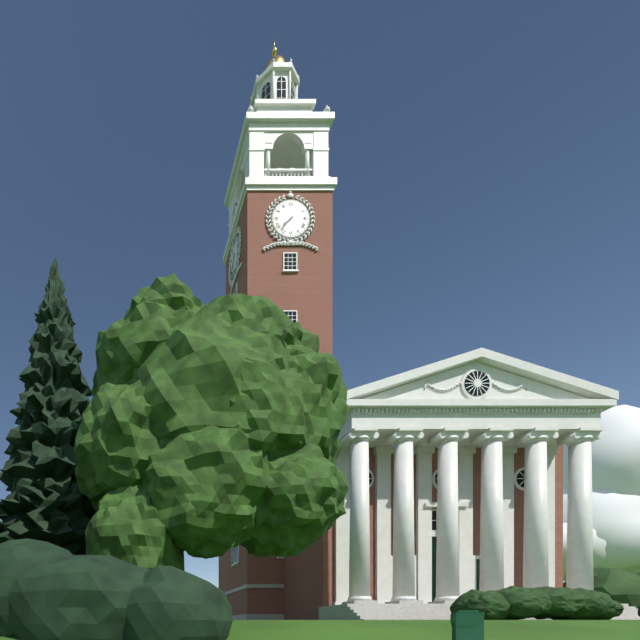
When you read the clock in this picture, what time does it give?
7:37
